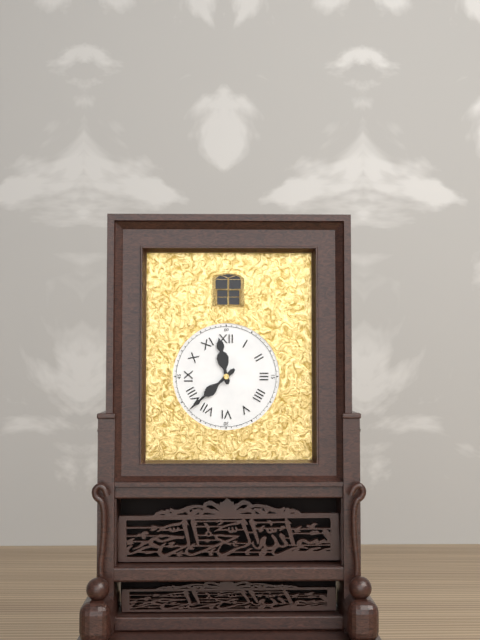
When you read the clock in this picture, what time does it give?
11:38
